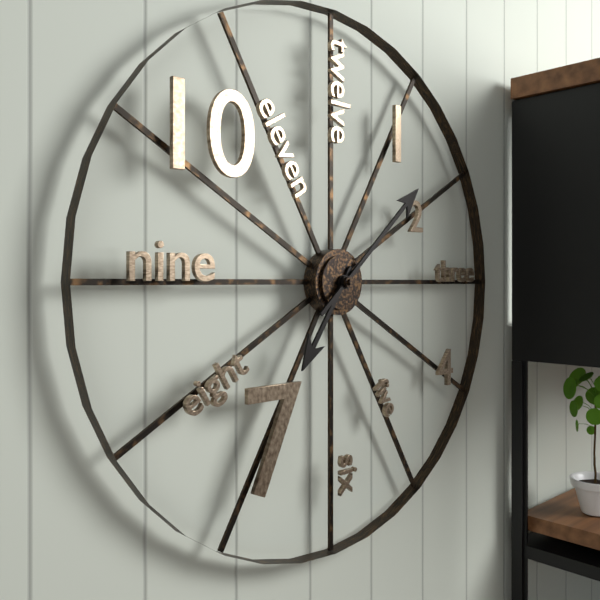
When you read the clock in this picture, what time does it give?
7:08
